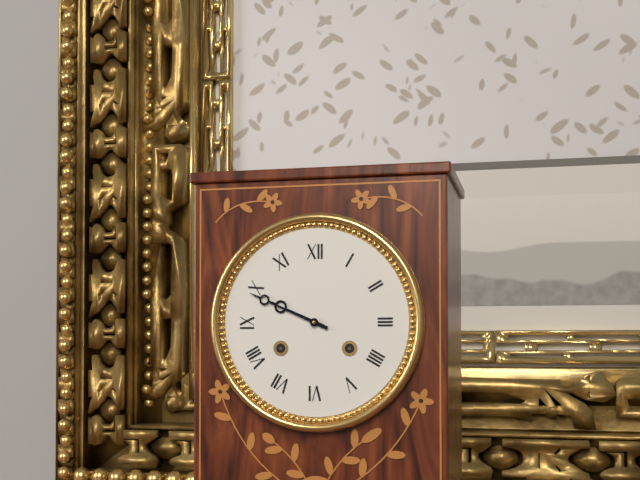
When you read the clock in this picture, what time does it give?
9:49
